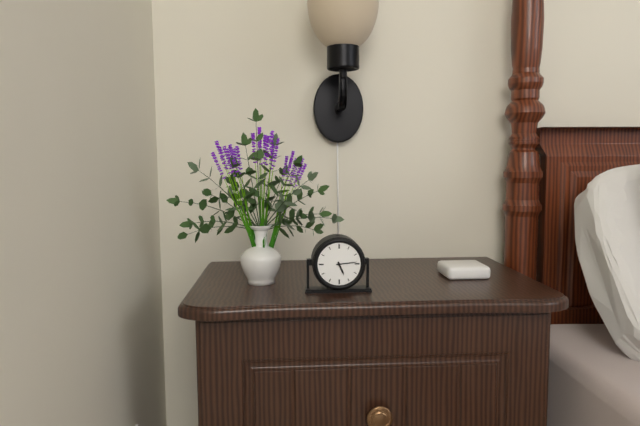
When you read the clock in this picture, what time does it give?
5:14
